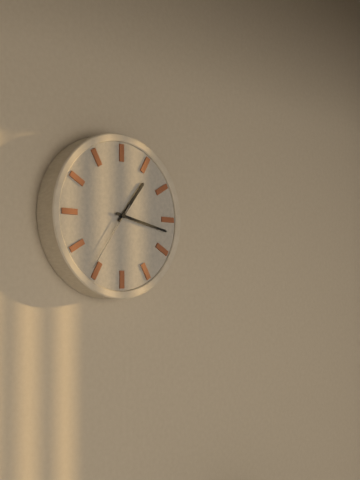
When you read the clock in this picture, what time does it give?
1:17:36
